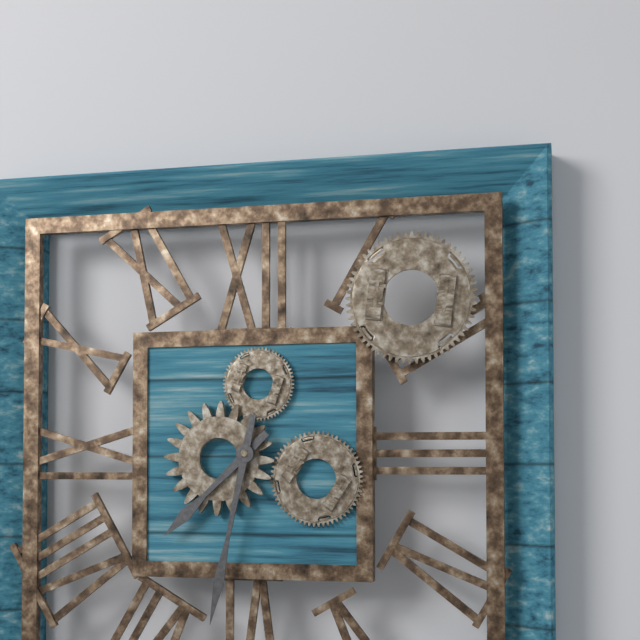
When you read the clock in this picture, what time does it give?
7:32
